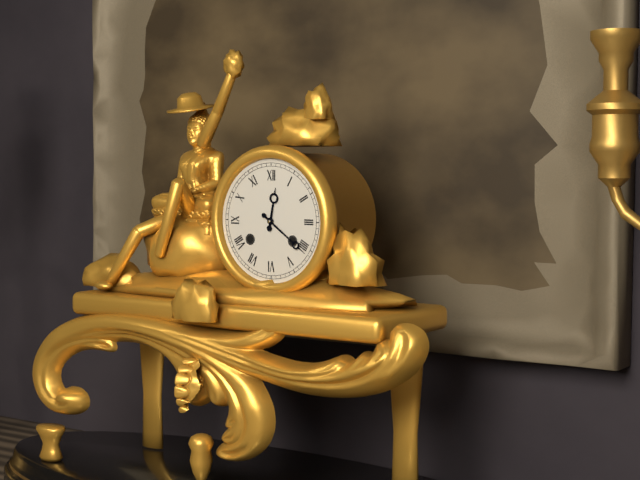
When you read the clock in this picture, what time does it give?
12:21
